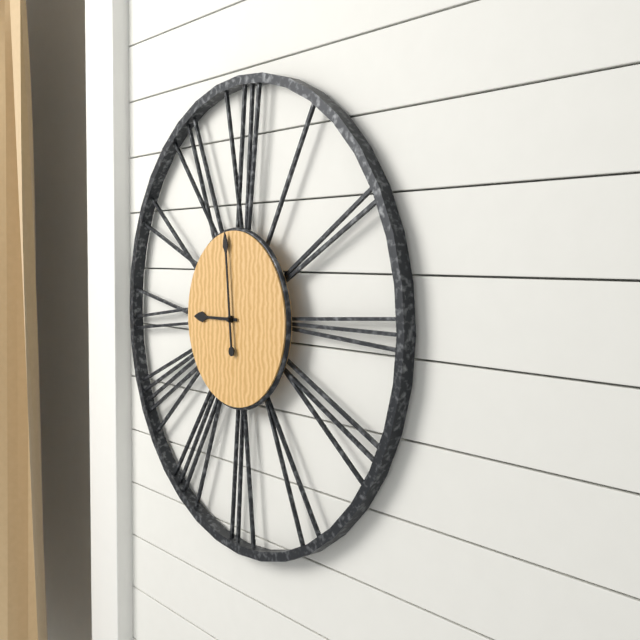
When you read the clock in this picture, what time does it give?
8:59
